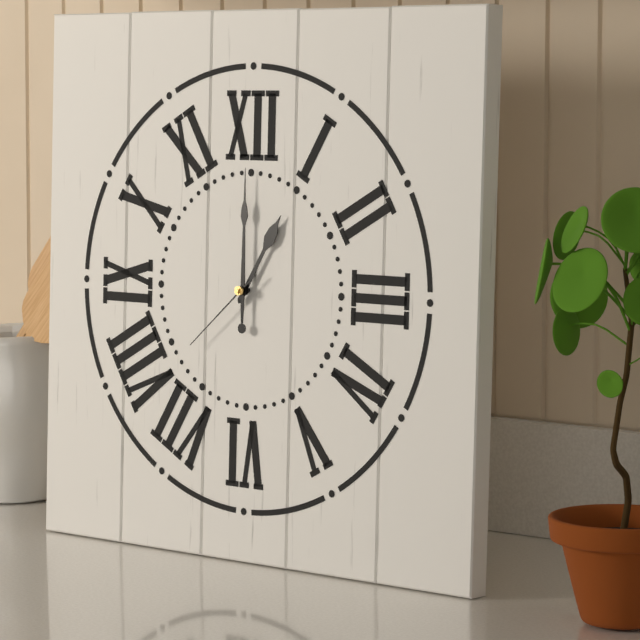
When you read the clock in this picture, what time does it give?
1:00:38
